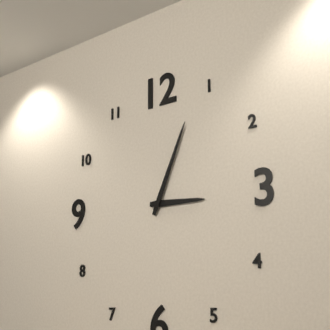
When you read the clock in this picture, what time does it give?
3:04
